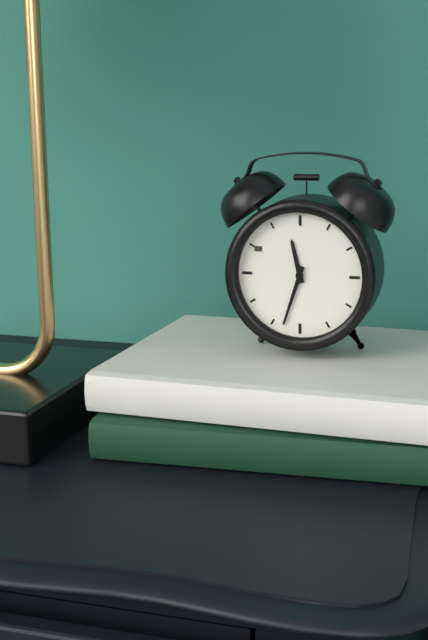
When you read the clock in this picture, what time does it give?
11:33
